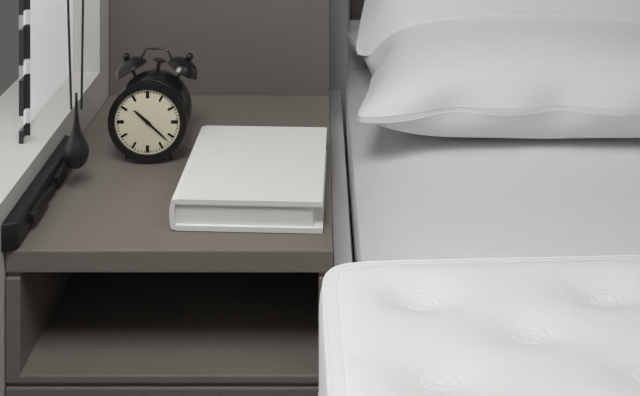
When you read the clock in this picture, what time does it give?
10:22
